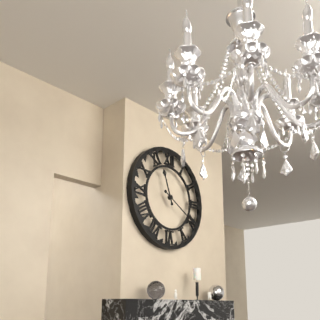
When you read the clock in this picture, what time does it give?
11:20
